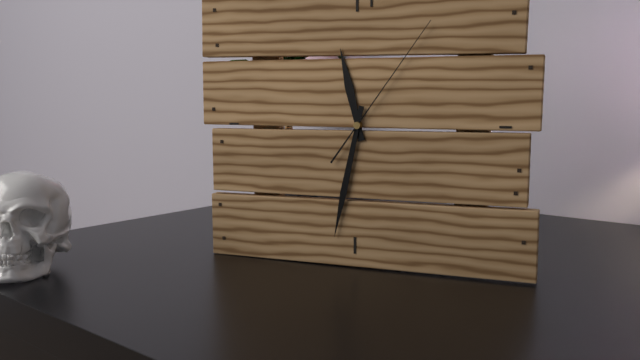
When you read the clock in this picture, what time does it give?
11:32:06
